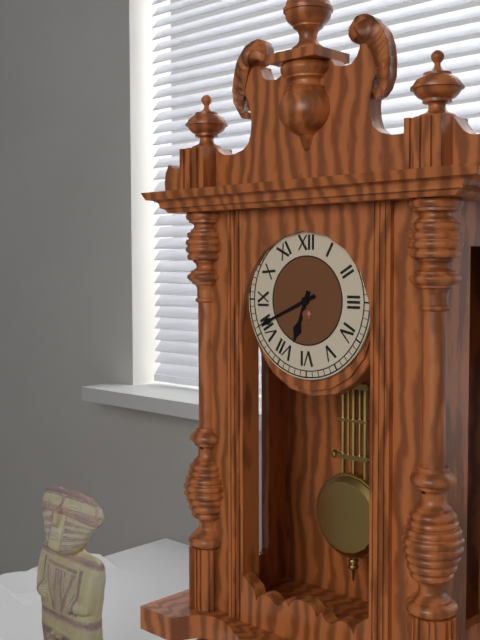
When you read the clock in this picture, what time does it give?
6:41
